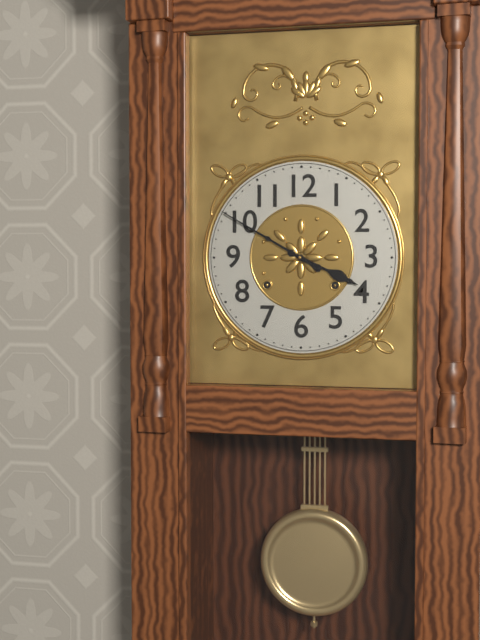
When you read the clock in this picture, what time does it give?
3:50
